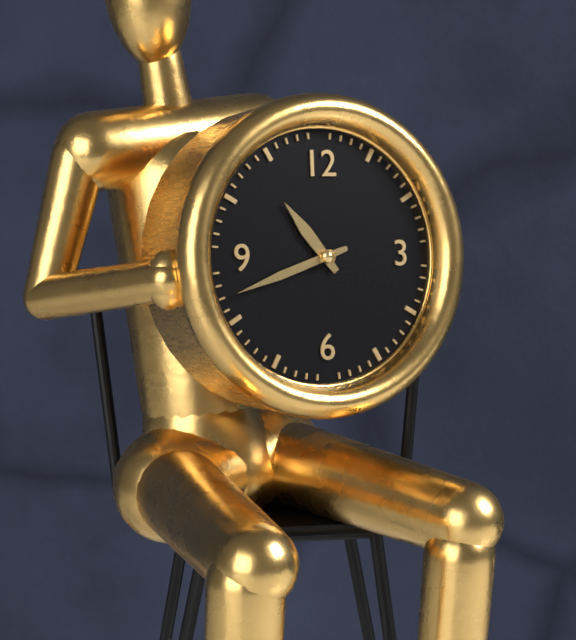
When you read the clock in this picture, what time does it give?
10:42
